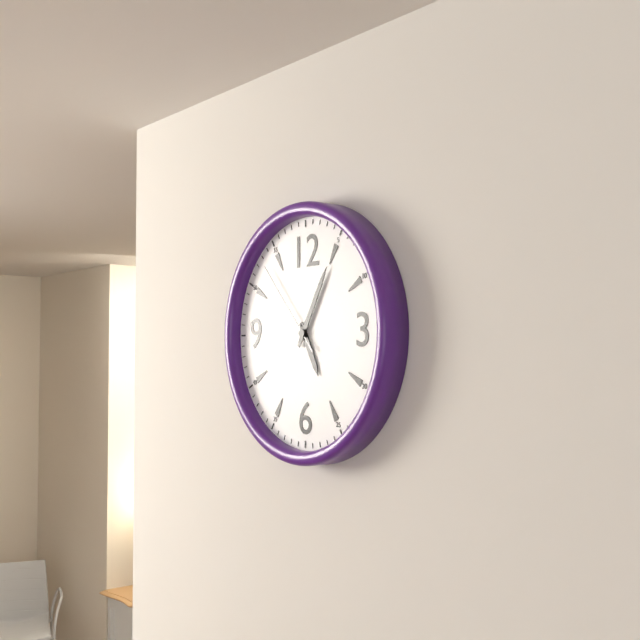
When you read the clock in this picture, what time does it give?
5:05:53
